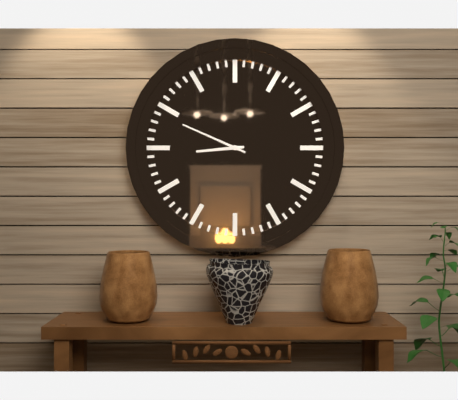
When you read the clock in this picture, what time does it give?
8:49
